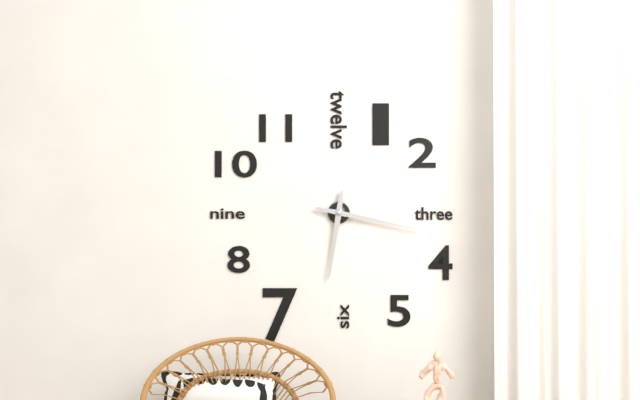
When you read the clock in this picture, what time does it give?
6:17
